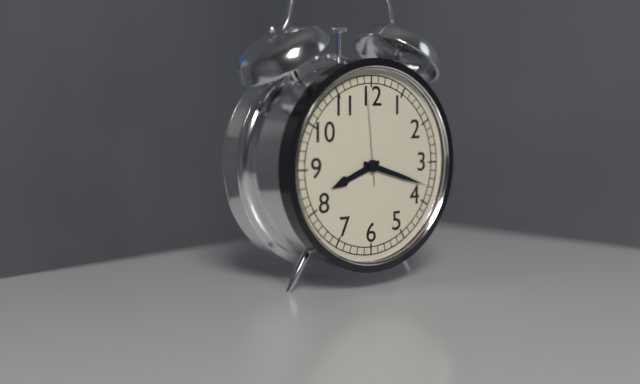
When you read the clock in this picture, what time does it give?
8:18:59
